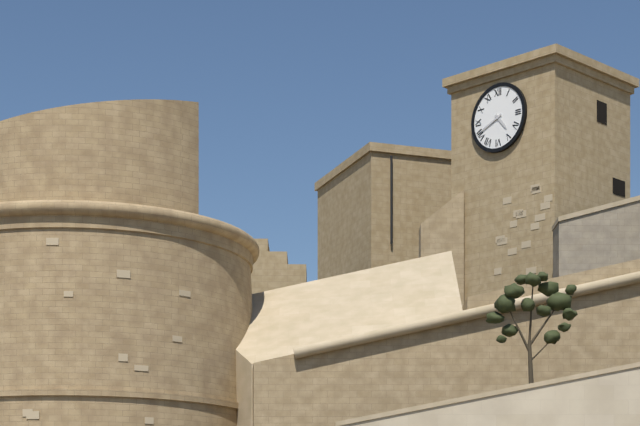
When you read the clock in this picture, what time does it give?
4:41
